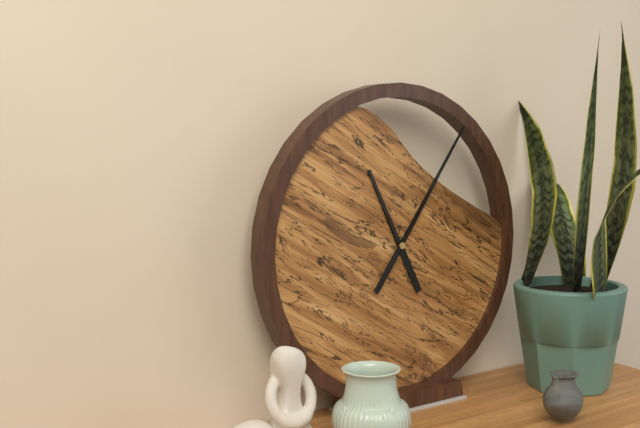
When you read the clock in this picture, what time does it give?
11:06
